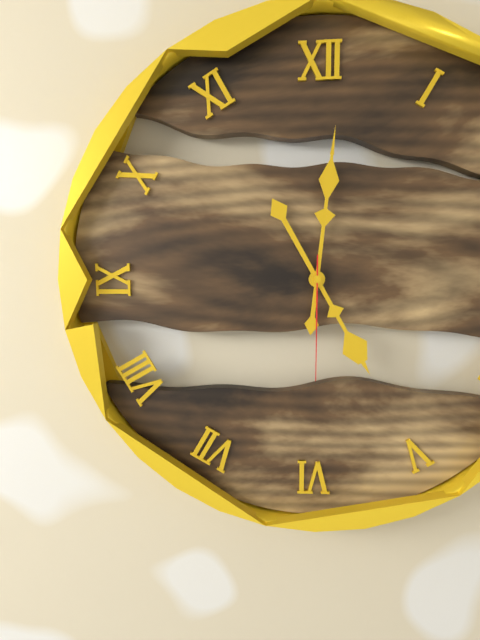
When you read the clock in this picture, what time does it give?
5:01:30
